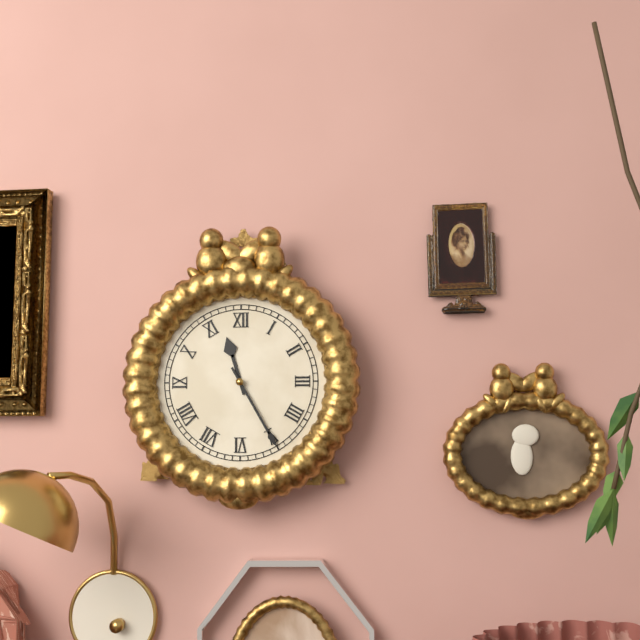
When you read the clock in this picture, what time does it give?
11:25
